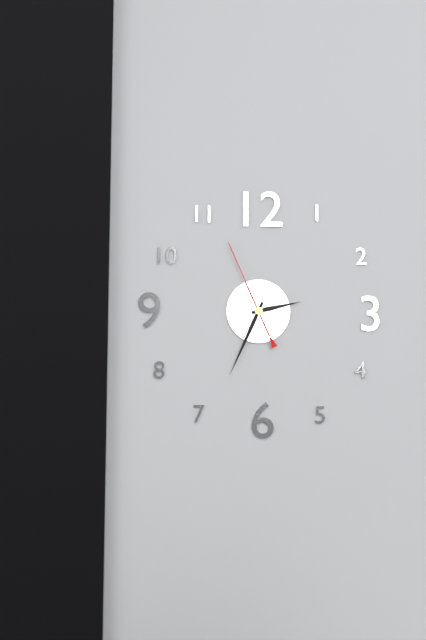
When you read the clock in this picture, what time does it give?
2:34:56
